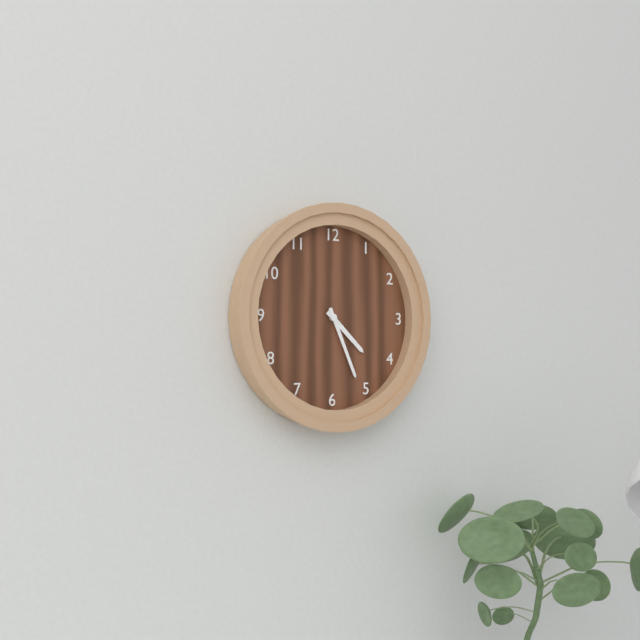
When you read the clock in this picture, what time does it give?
4:26
